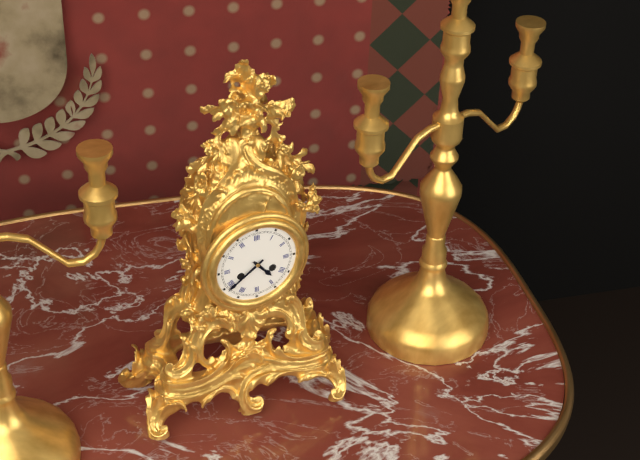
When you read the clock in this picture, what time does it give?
4:39
